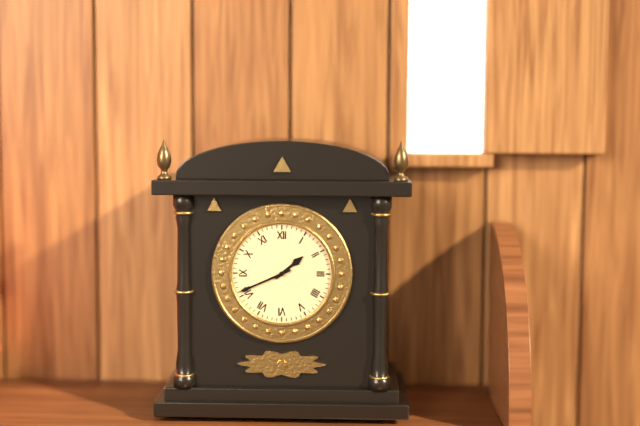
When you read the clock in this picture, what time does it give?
1:41
